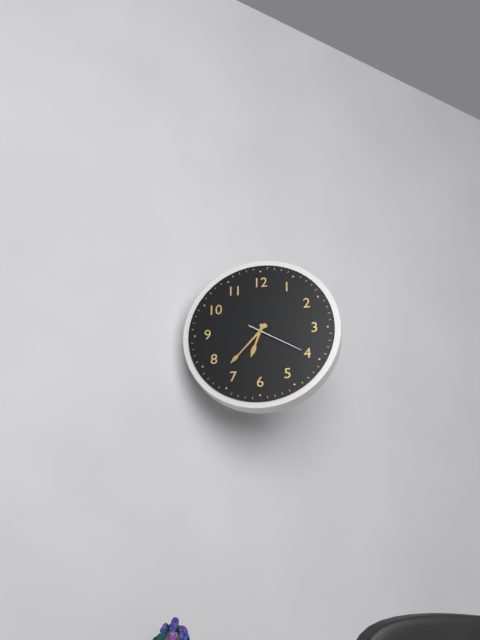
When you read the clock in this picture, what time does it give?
6:37:20
